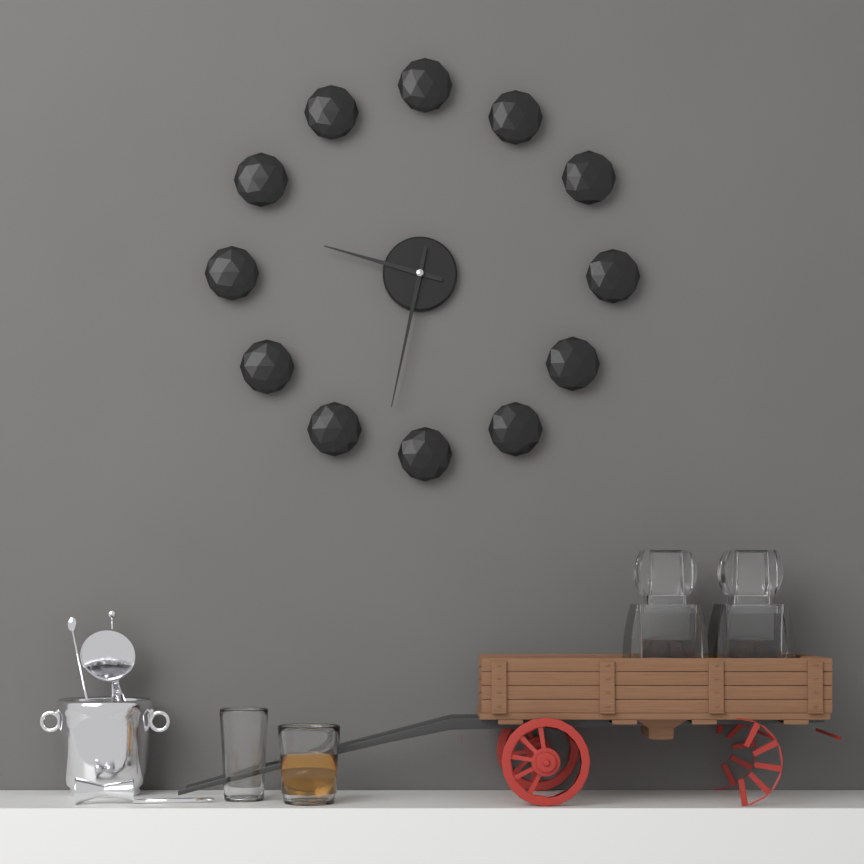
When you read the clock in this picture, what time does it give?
9:32
